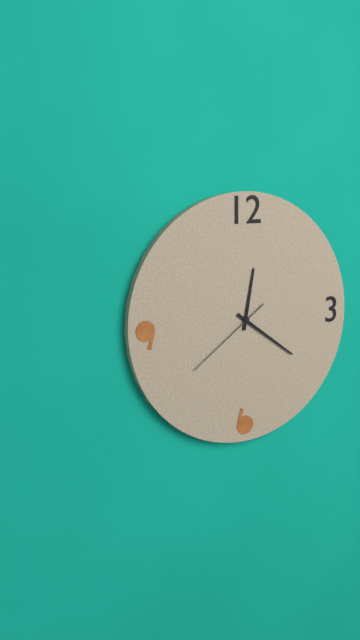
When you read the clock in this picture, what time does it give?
12:21:39
